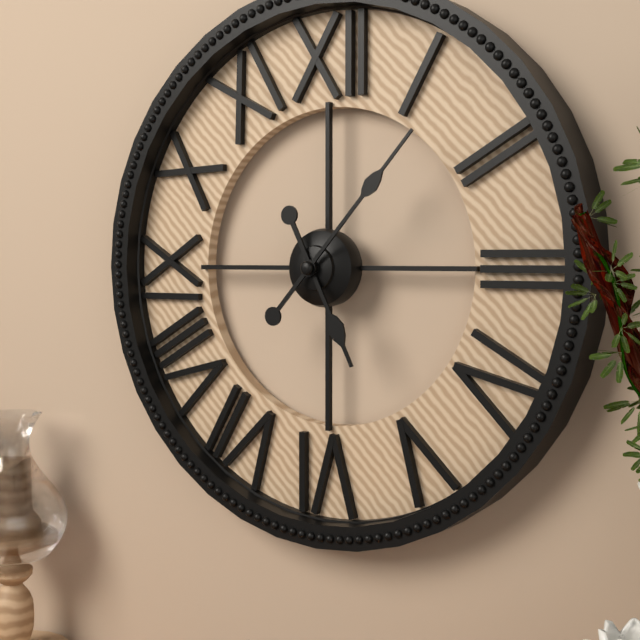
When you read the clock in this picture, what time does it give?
5:07
